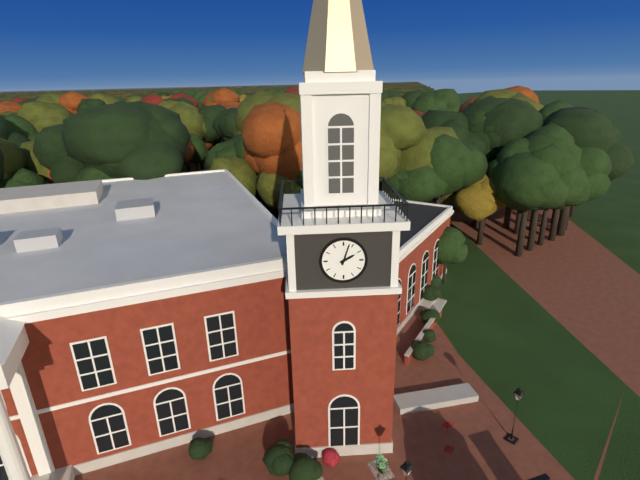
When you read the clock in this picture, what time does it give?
2:03
